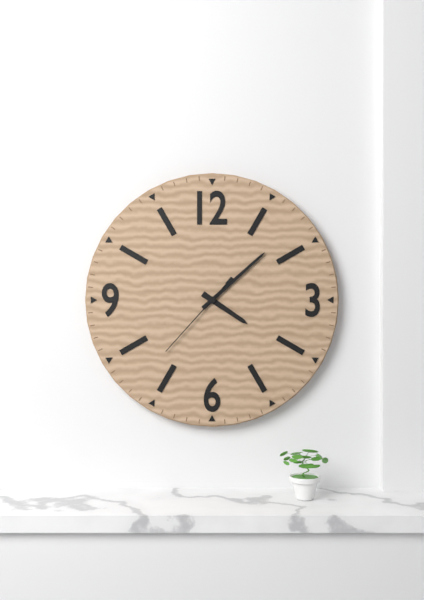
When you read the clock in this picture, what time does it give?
4:08:37
